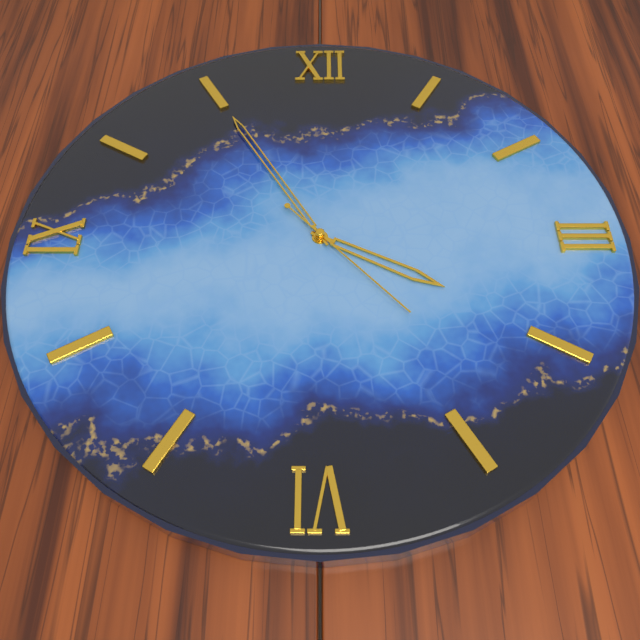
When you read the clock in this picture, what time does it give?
3:55:23
